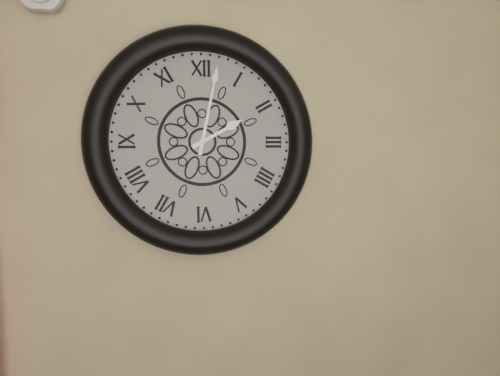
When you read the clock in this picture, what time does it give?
2:02
